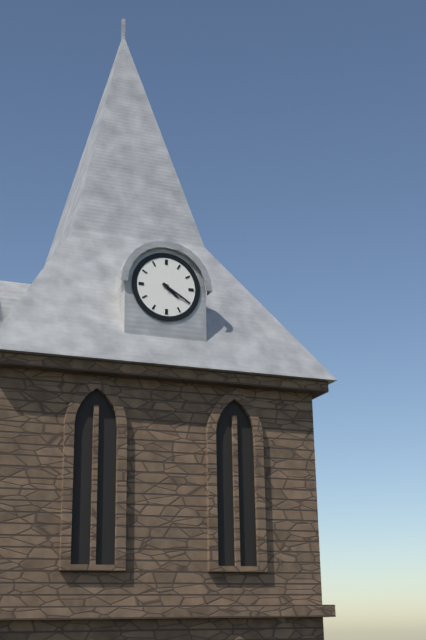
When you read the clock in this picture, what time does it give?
4:20
